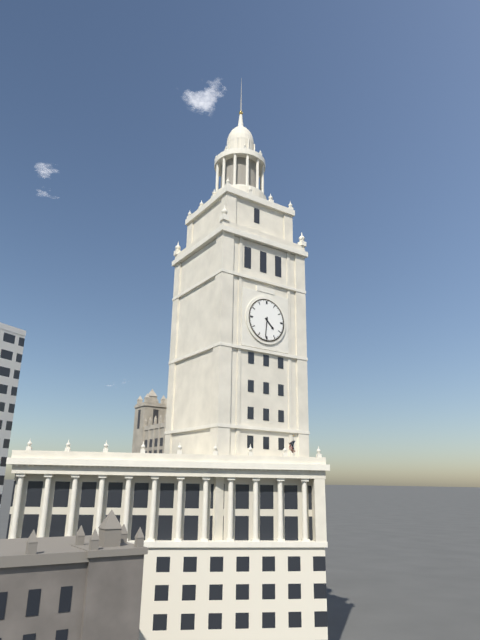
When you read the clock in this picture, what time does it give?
4:31
